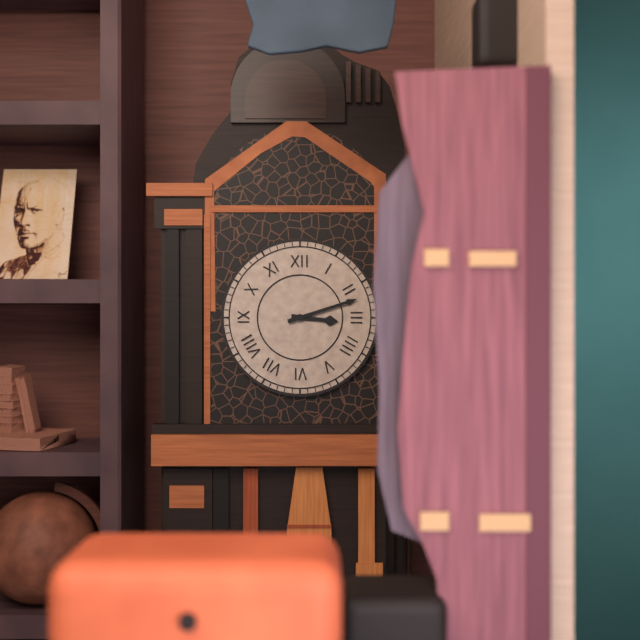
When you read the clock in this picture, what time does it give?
3:12
